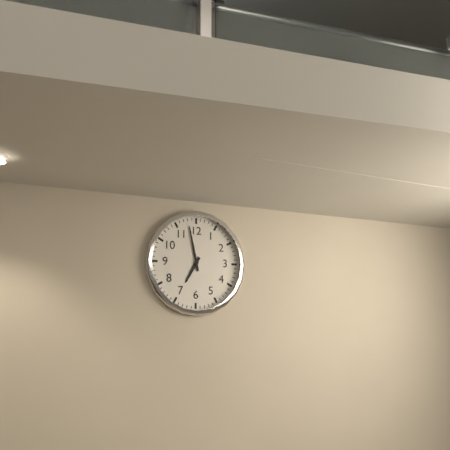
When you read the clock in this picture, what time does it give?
6:58
